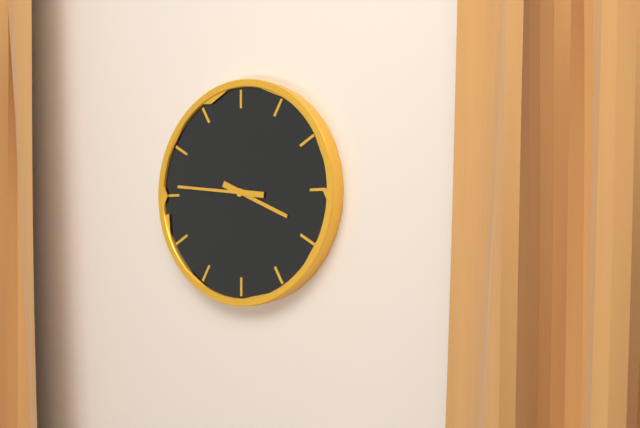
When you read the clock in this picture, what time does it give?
3:46
